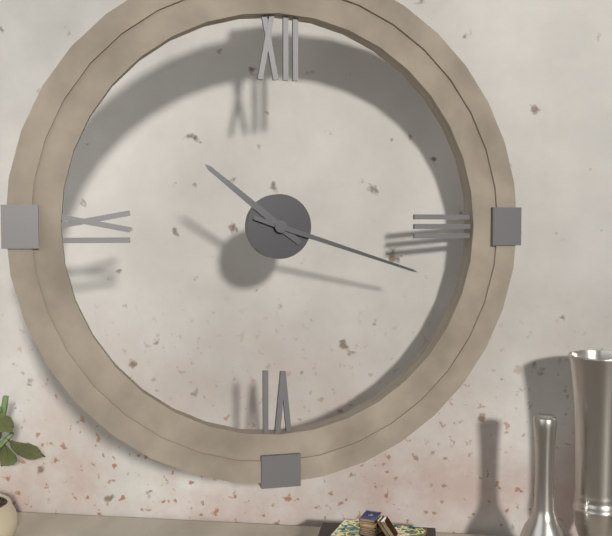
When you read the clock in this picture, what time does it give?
10:18
